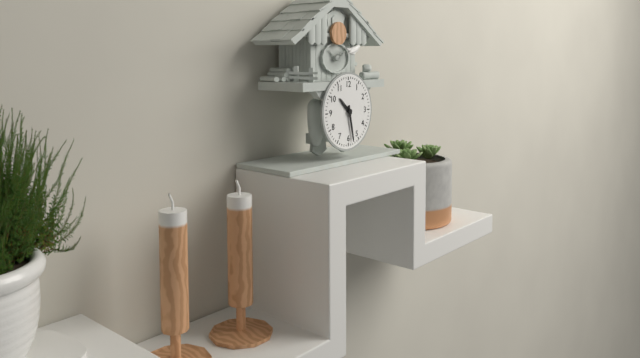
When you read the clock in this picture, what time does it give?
10:28
